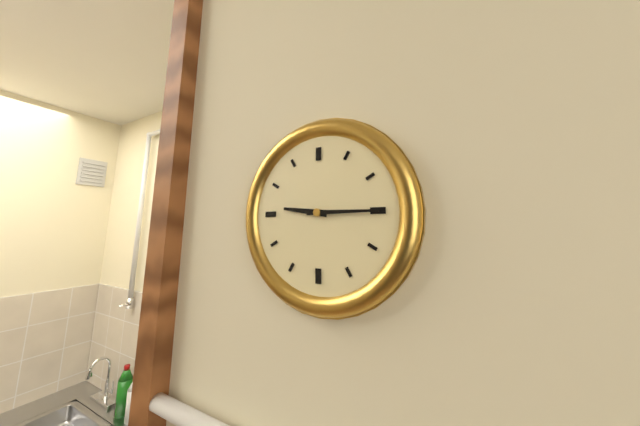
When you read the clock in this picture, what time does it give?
9:15
